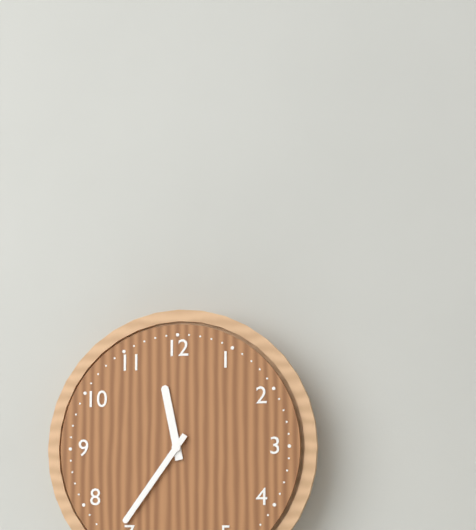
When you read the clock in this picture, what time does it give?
11:36
